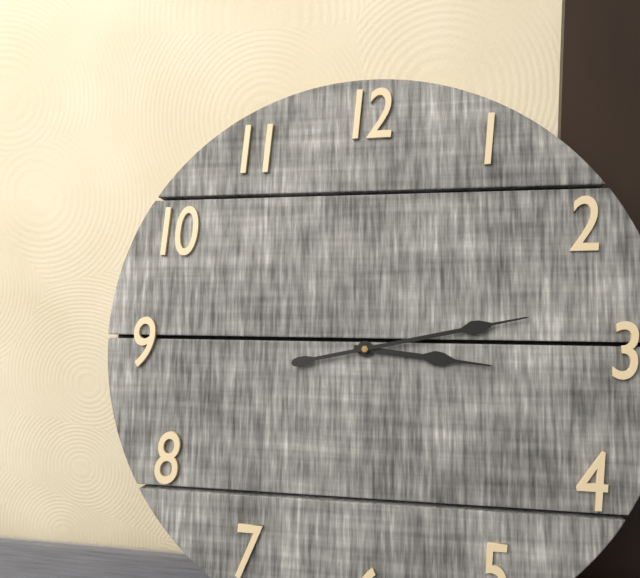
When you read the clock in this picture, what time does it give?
3:13
